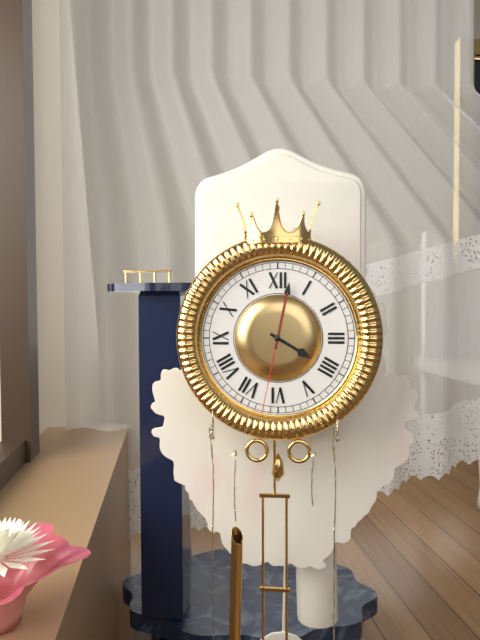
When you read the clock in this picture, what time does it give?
4:02:32
